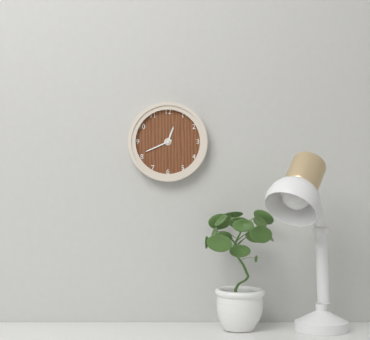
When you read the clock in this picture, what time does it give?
12:41
